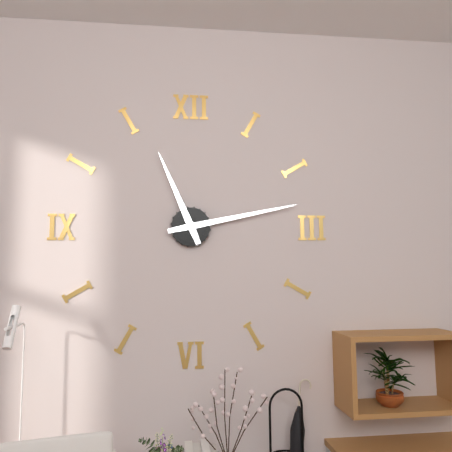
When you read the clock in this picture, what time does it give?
11:13
